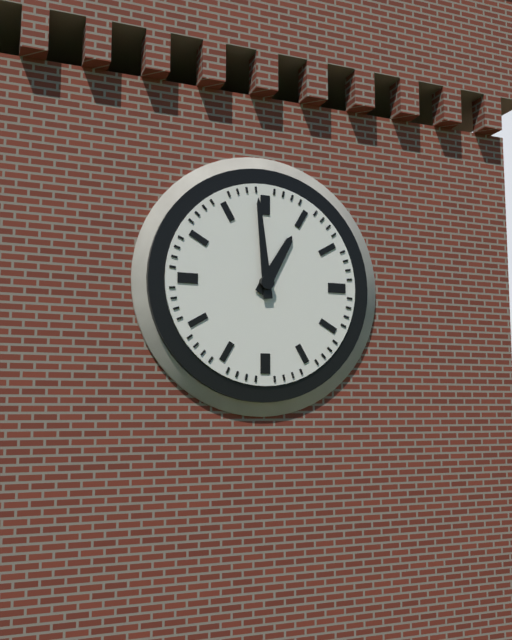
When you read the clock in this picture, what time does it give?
12:59
